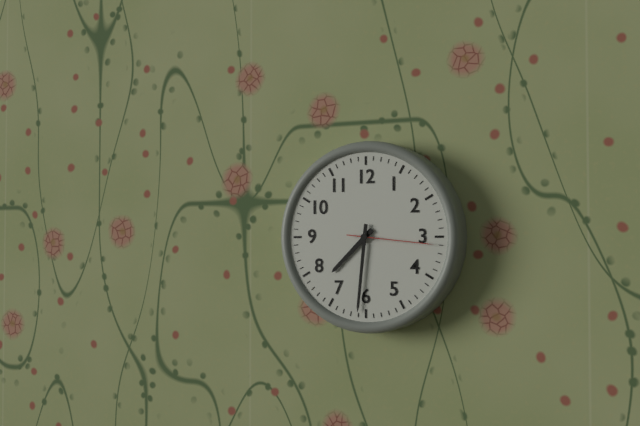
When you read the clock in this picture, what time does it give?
7:31:16
